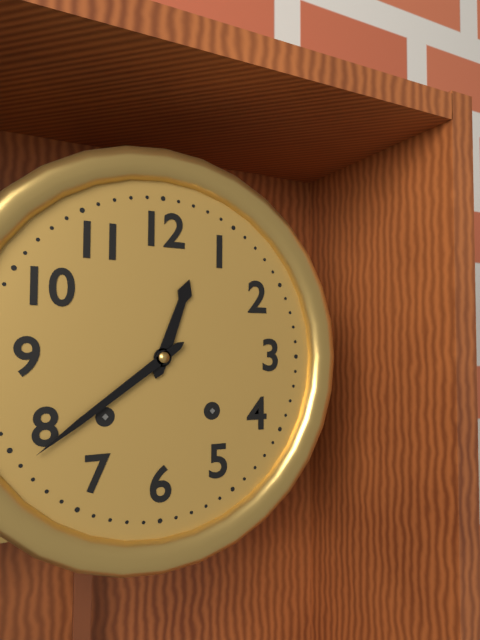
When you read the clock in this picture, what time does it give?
12:39
